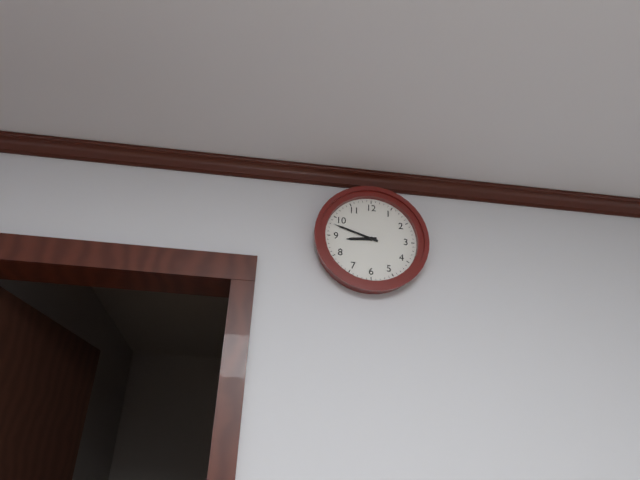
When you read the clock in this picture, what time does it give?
8:48
